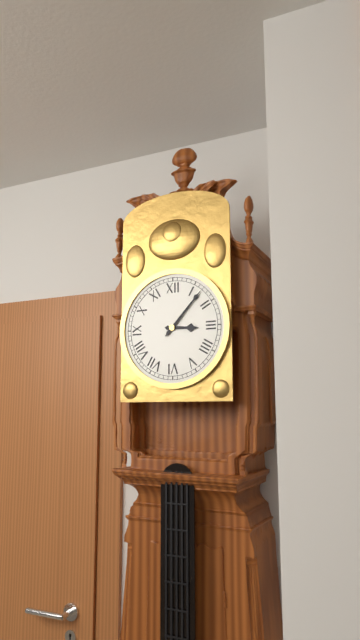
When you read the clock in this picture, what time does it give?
3:07
